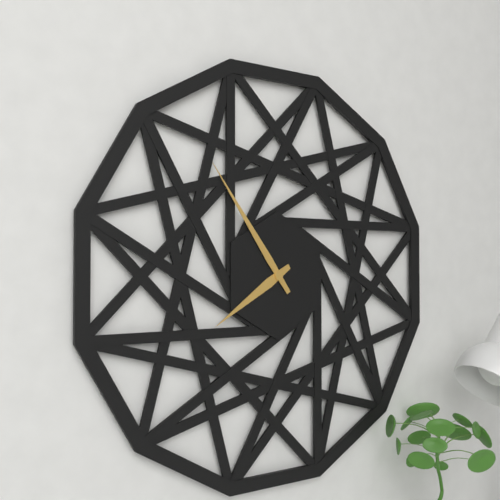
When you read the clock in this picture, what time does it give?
7:54
